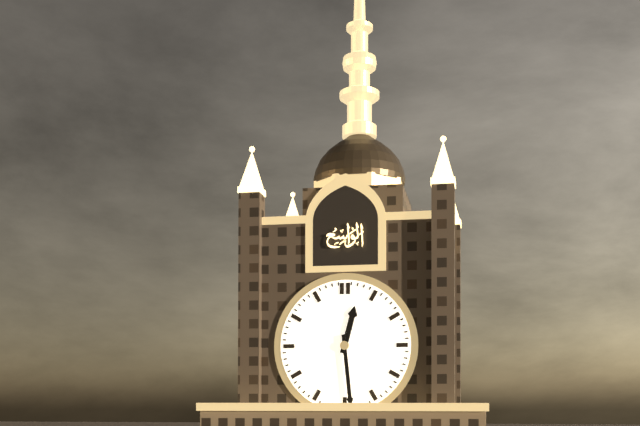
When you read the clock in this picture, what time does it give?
12:29
